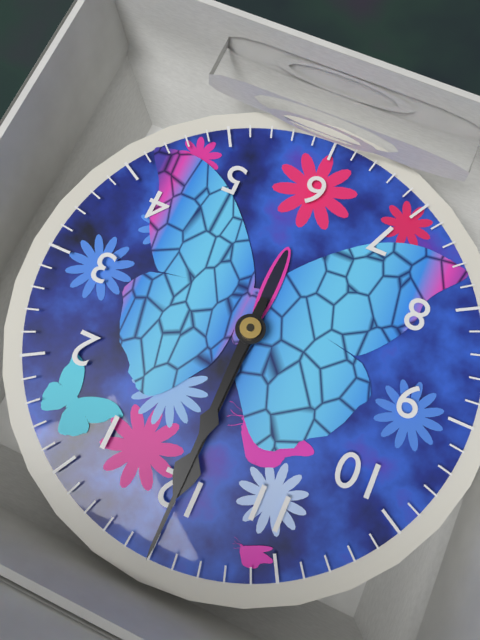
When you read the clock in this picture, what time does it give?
12:00
